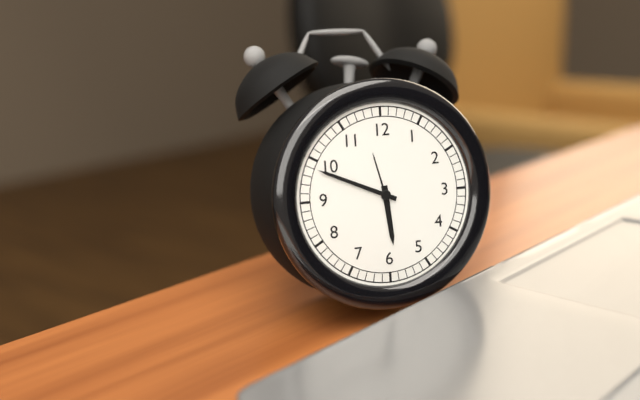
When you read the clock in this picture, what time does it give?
5:49
